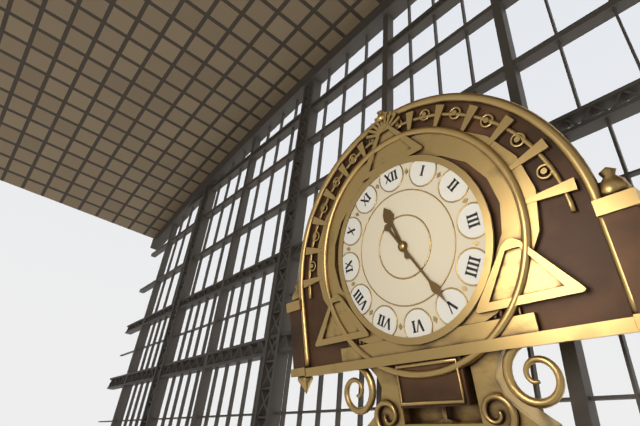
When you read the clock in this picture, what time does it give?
11:25
